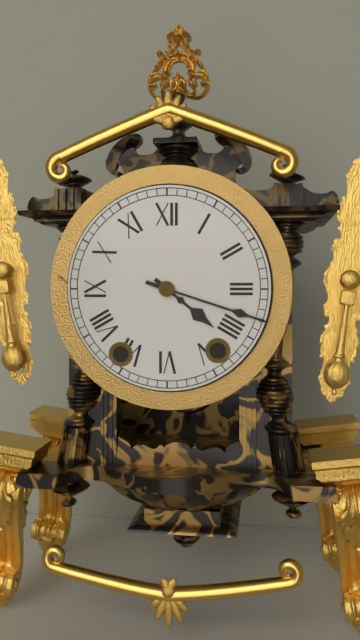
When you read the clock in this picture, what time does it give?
4:18
